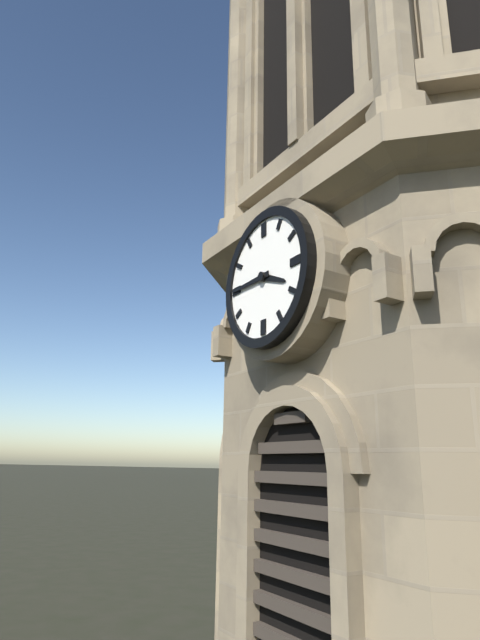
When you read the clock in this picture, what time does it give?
3:45
